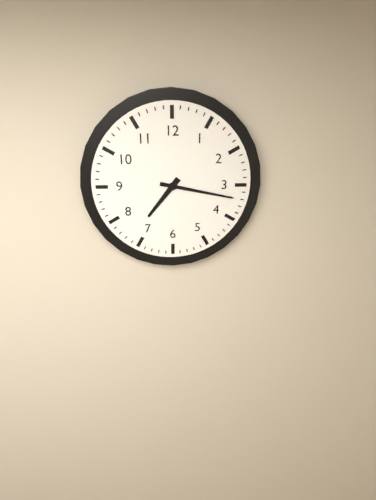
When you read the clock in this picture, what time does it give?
7:17
